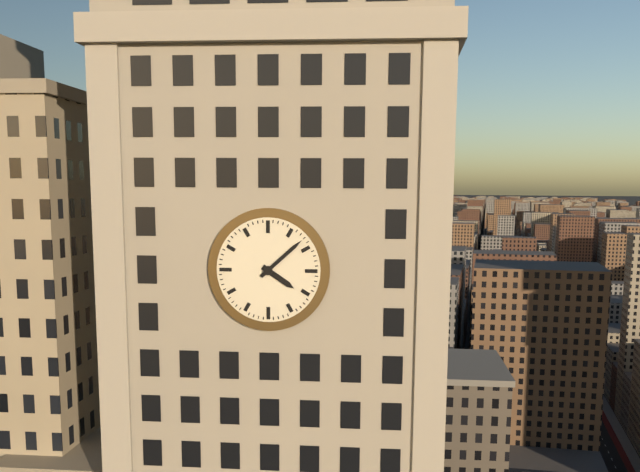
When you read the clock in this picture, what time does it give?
4:08
